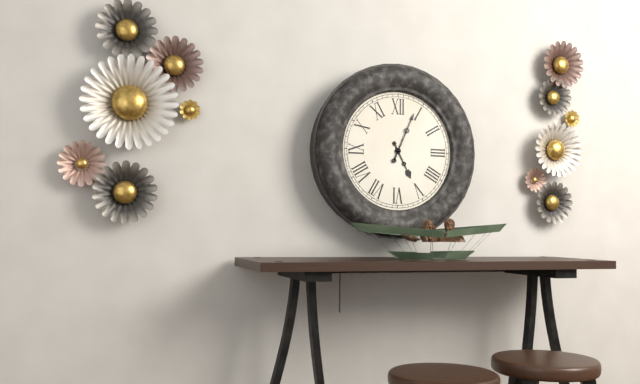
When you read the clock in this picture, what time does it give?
5:04
